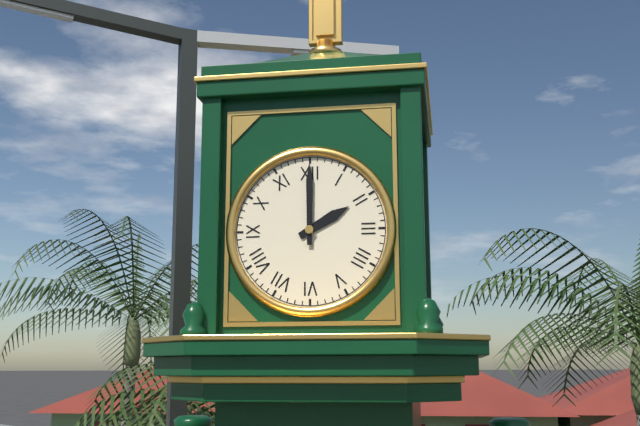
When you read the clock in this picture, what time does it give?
2:00
